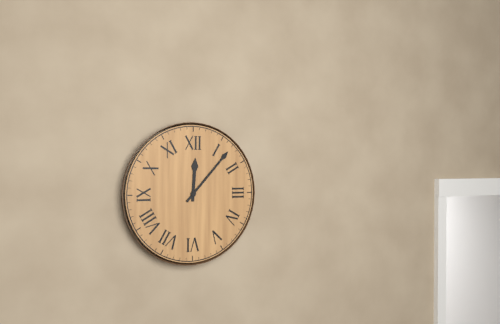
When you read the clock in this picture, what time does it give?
12:07
